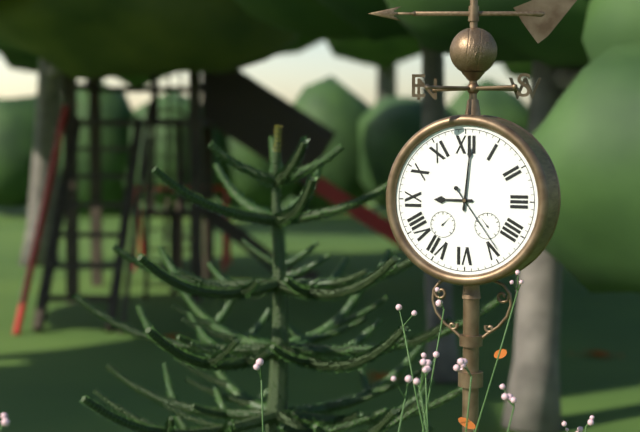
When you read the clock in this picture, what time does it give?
9:01:24
